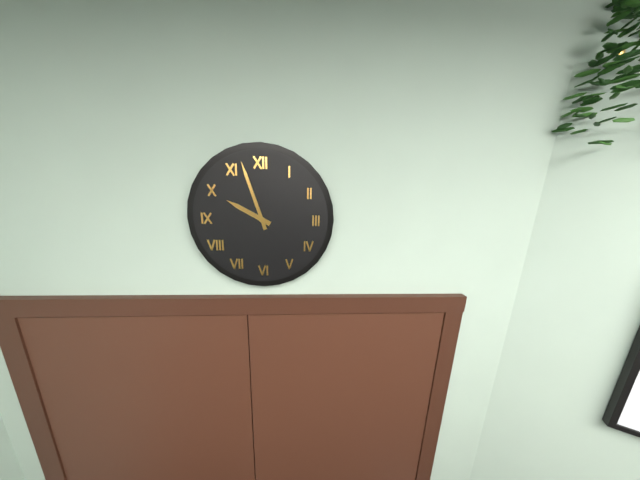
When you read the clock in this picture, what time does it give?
9:57
